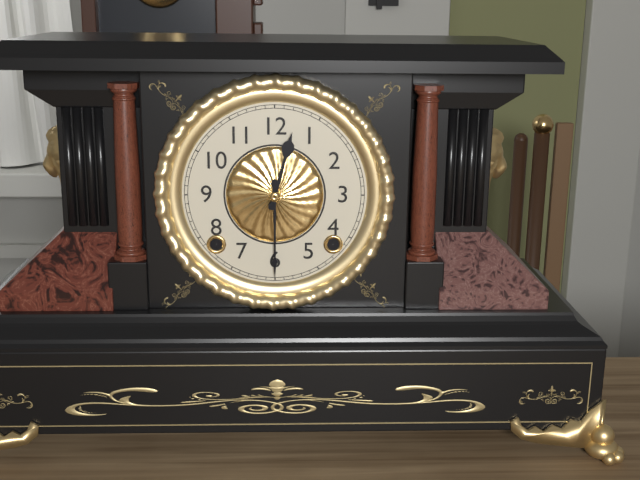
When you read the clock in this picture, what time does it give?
12:30
